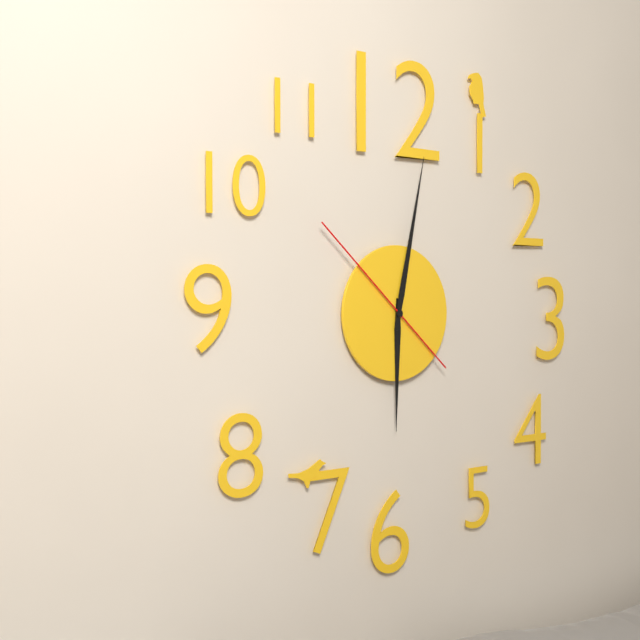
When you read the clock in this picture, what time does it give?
6:02:52
